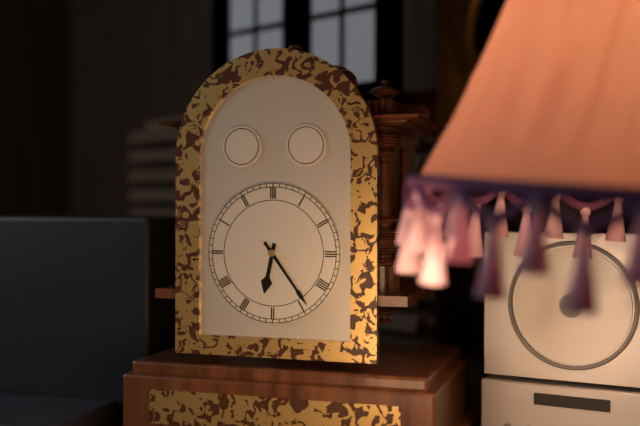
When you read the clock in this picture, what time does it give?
6:24
